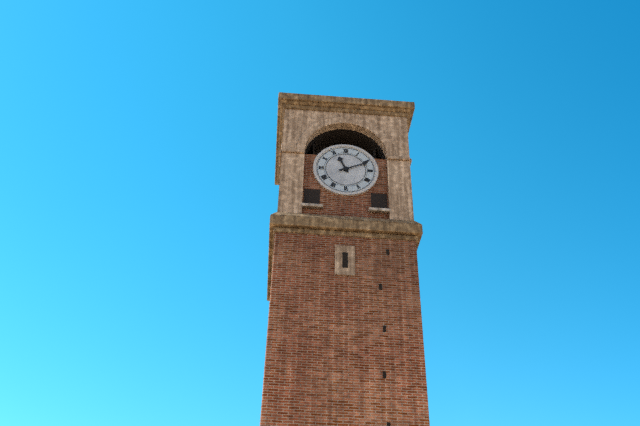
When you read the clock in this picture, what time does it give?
11:11
